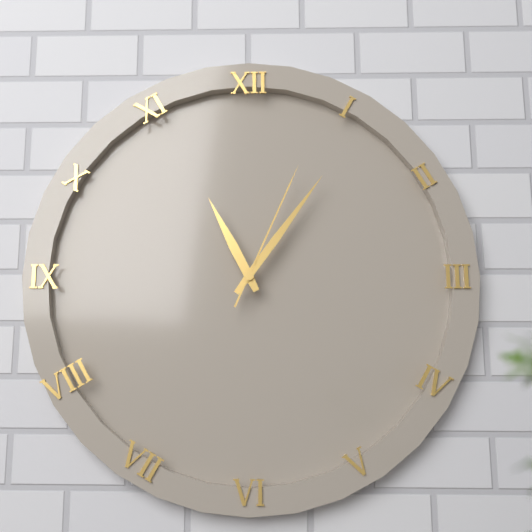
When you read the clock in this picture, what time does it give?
11:06:04
